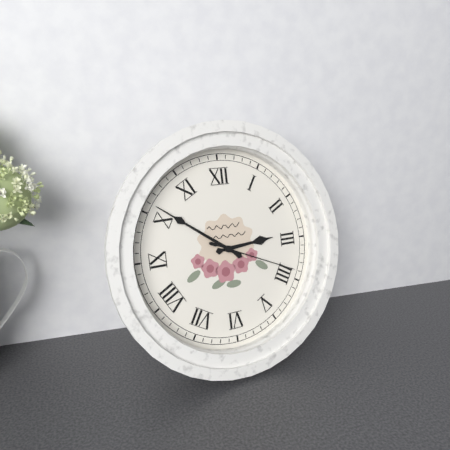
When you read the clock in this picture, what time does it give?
2:51:19
